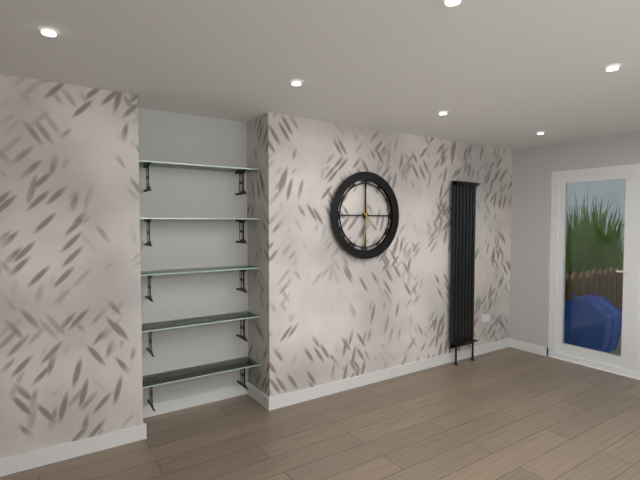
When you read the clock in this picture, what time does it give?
4:31
